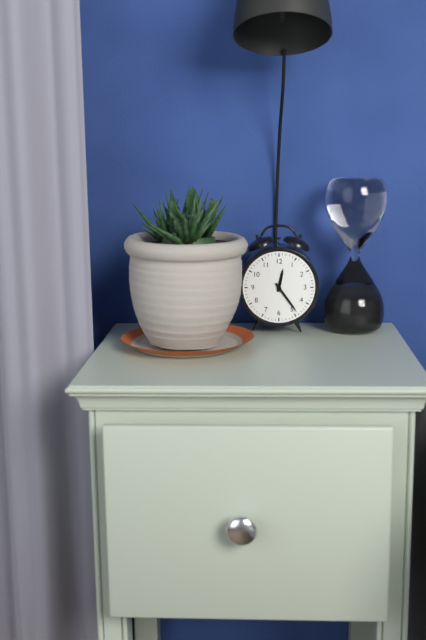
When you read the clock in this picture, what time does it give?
12:24
